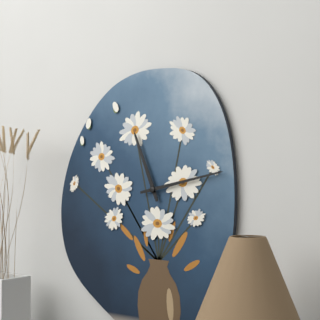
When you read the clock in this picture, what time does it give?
11:13
